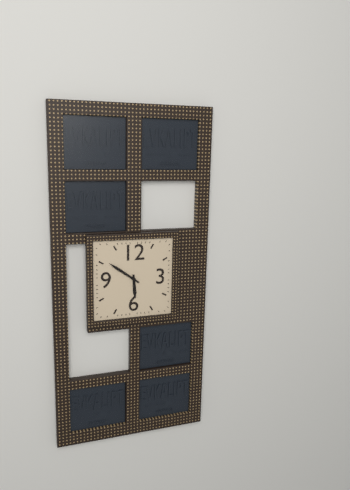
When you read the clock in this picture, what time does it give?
5:51
